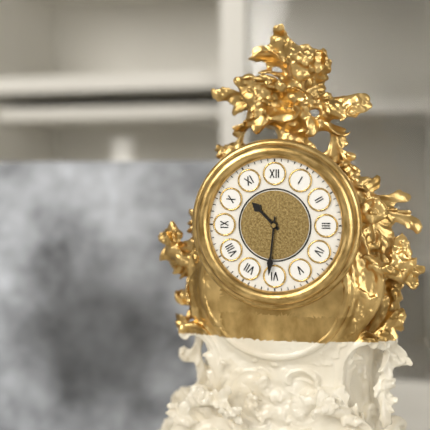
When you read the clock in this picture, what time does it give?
10:31
